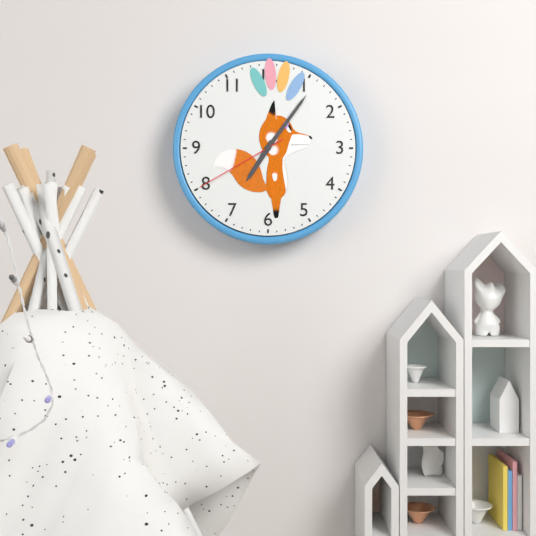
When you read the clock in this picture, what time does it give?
7:06:40
